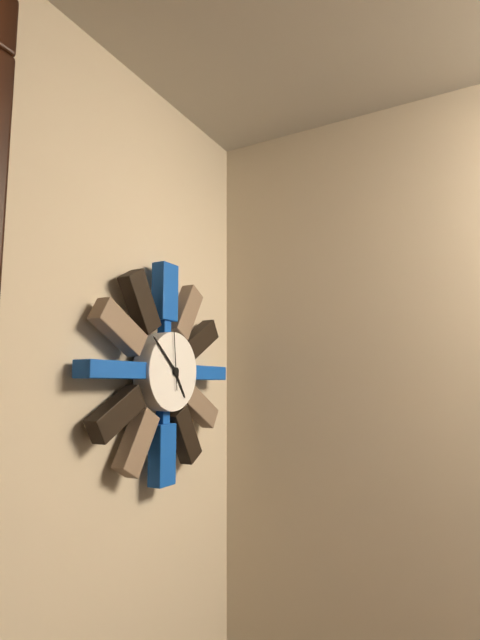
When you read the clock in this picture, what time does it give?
4:52:59
